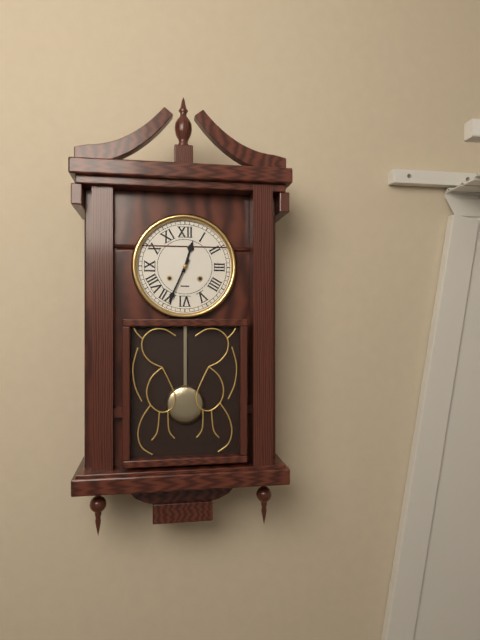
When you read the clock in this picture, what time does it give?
12:34
